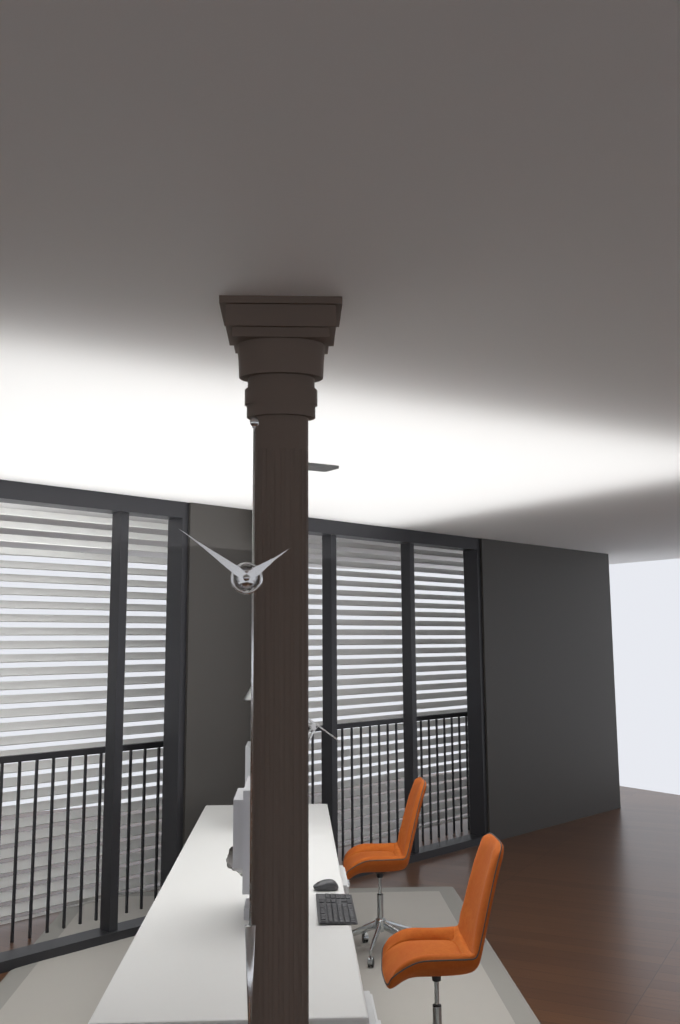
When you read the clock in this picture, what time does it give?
1:51
